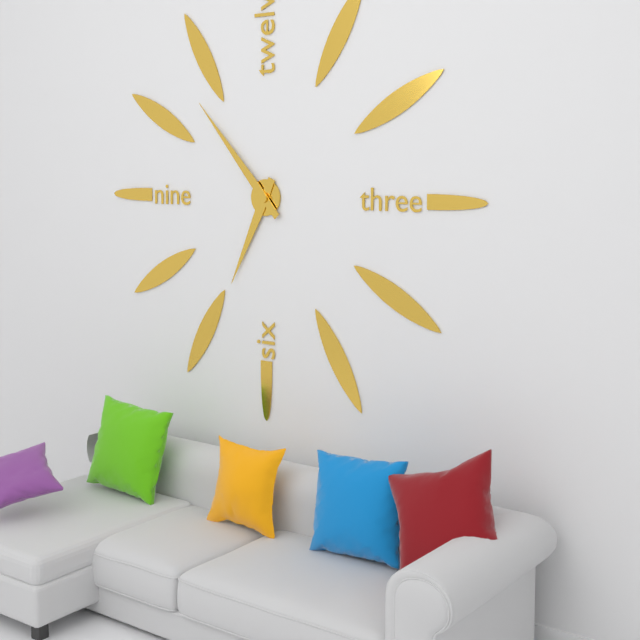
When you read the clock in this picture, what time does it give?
6:53
